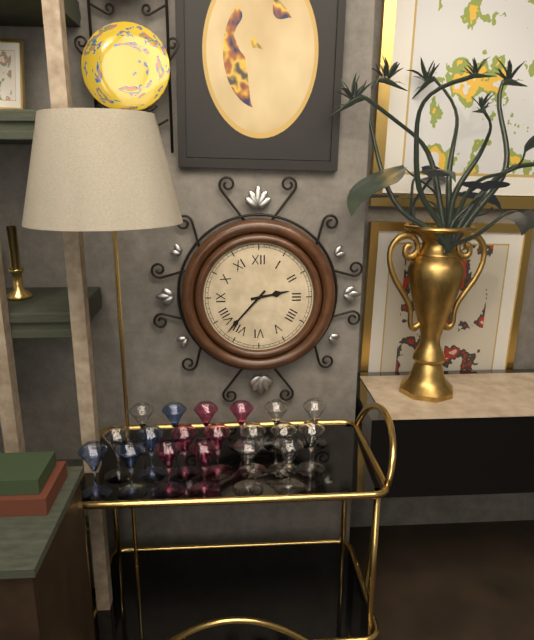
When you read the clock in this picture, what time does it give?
2:37
